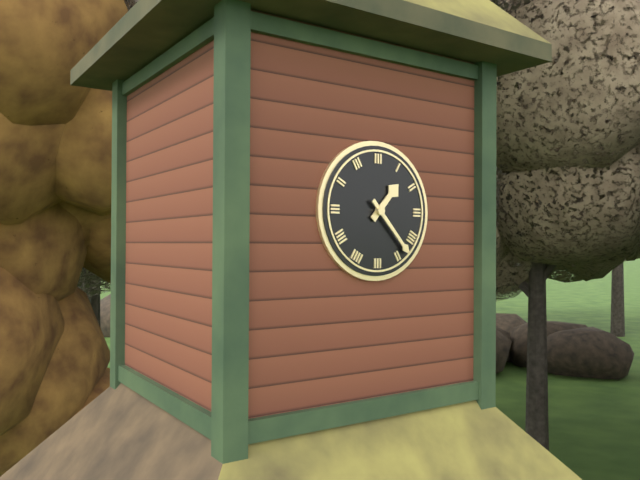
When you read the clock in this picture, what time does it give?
1:23
